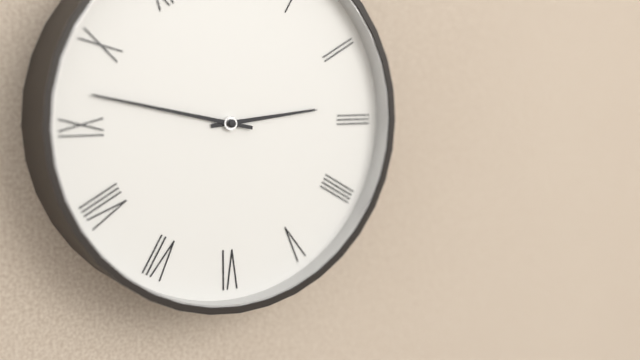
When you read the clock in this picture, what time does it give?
2:47
